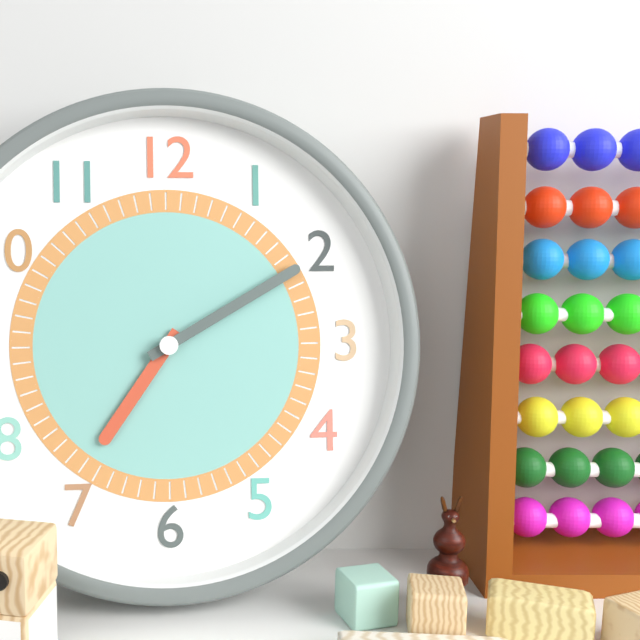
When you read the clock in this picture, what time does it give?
7:10
